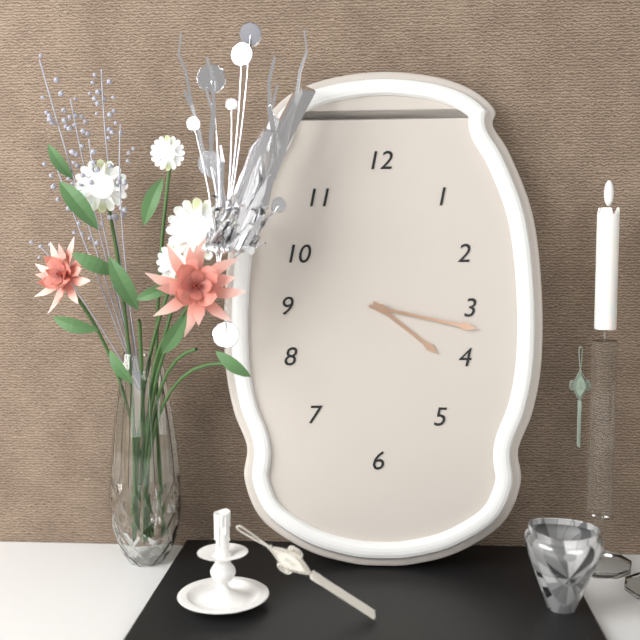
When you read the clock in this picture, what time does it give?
4:17
